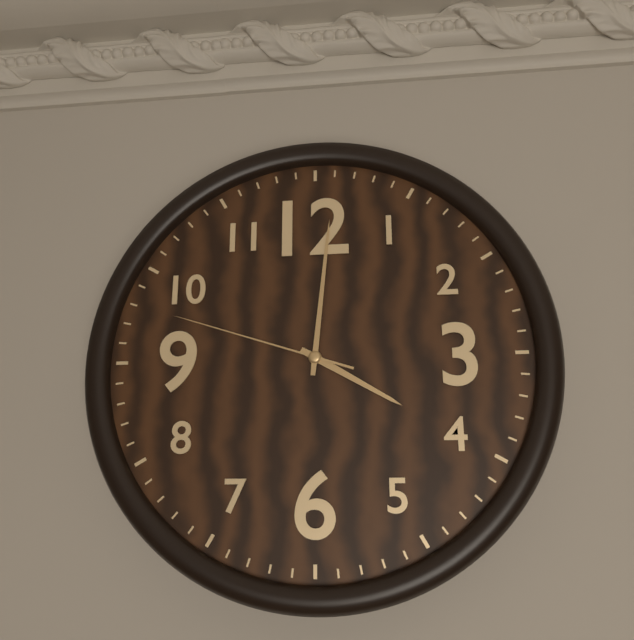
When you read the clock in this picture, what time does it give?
4:01:48
